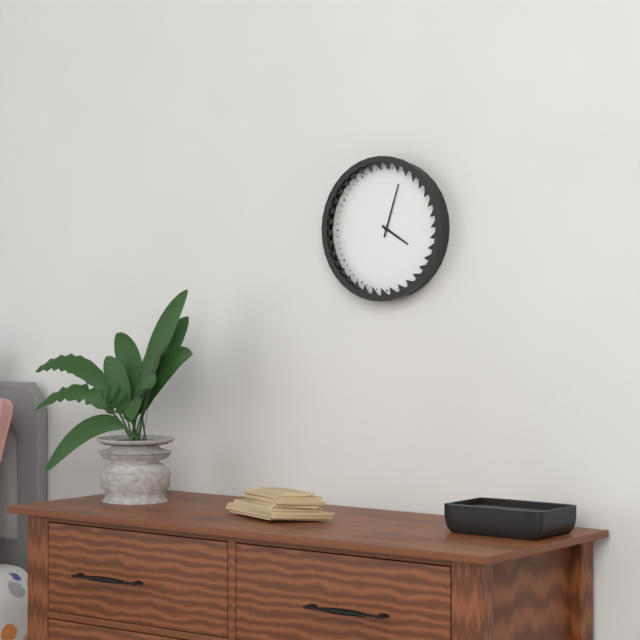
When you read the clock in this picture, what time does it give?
4:03
